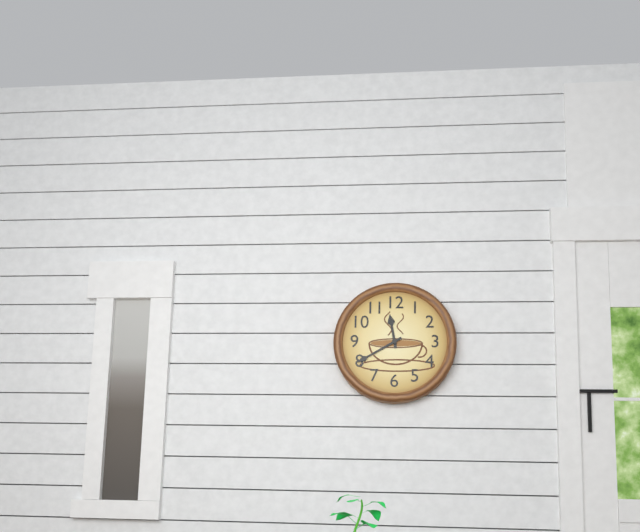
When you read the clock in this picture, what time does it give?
11:40
